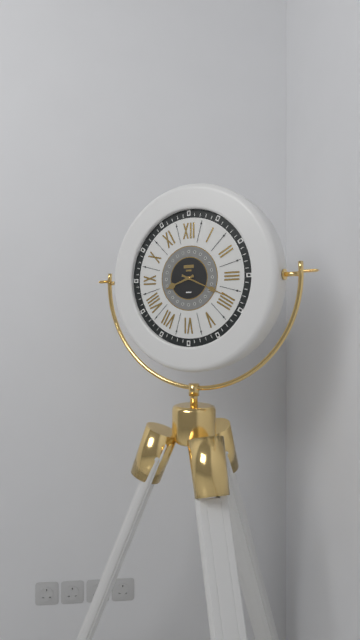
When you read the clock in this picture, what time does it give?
8:19
